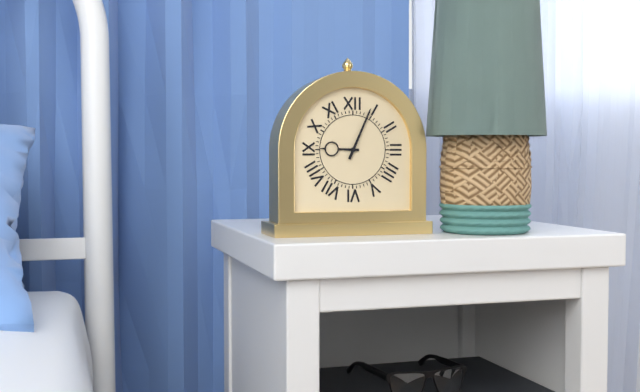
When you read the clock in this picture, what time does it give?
9:04
